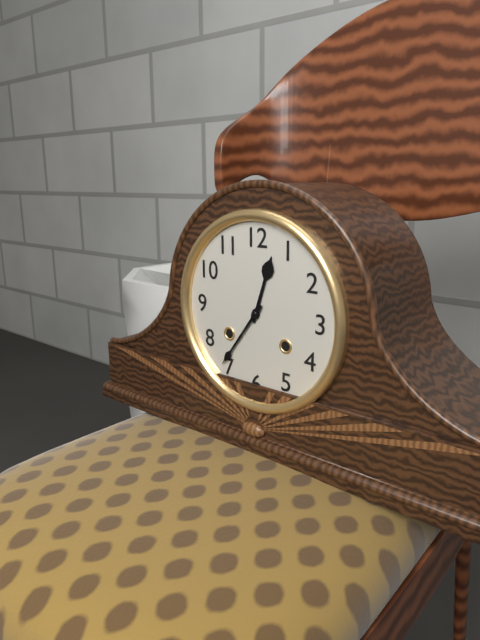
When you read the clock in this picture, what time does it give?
12:36
